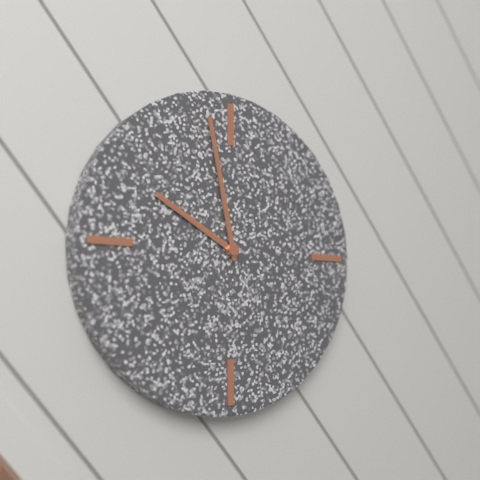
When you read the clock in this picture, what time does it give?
9:58
